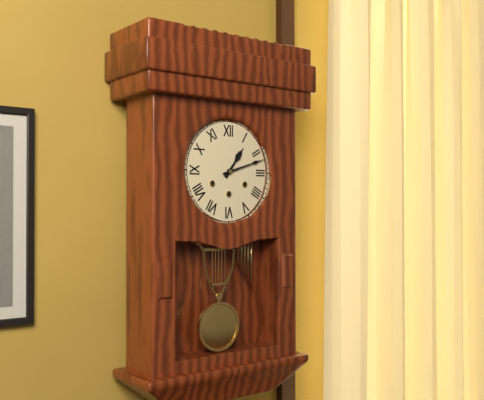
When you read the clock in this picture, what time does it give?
1:12
